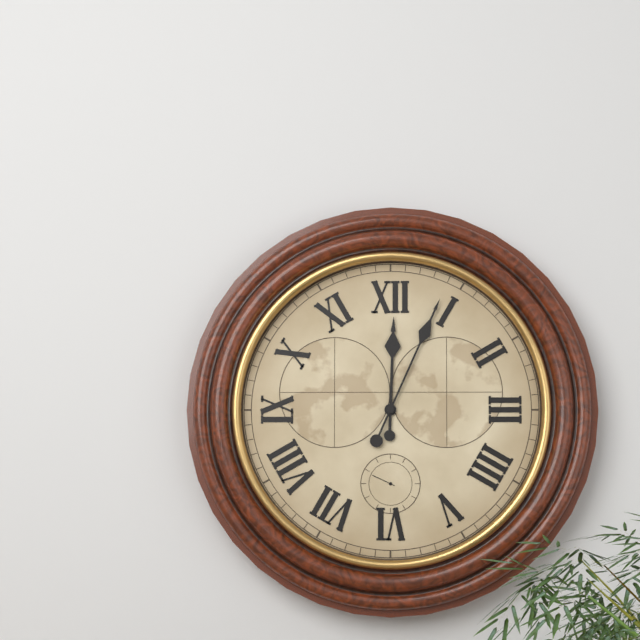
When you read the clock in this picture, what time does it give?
12:04
